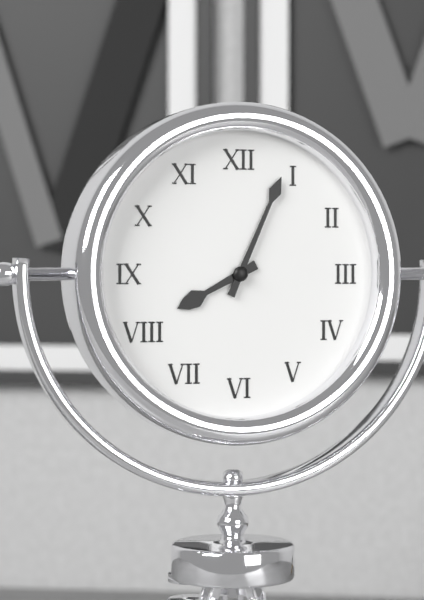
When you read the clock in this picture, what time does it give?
8:04
